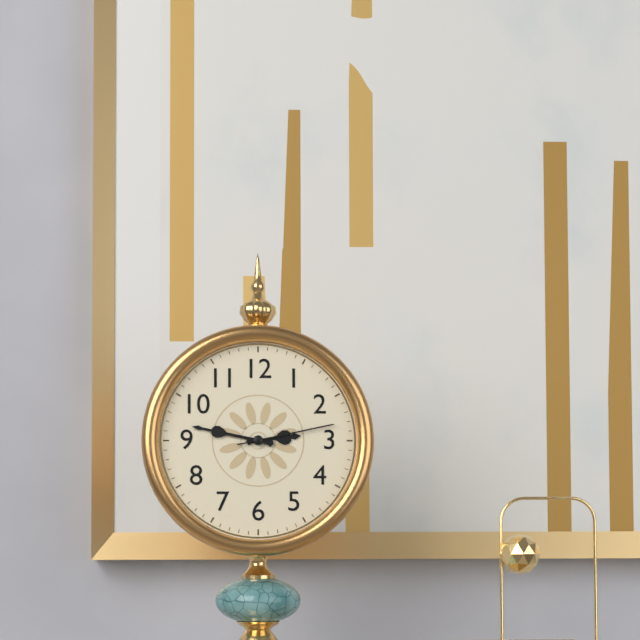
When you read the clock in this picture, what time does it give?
2:47:13
